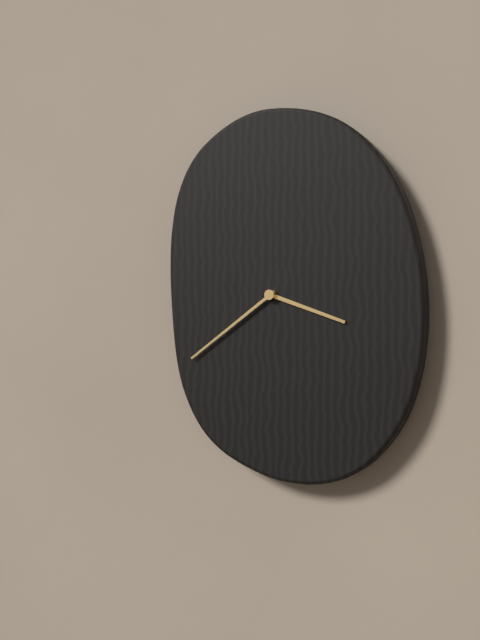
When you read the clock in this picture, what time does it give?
3:39
